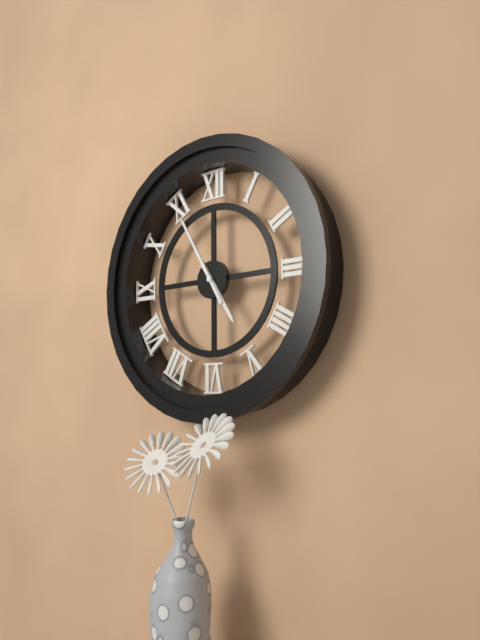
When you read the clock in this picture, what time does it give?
4:55
